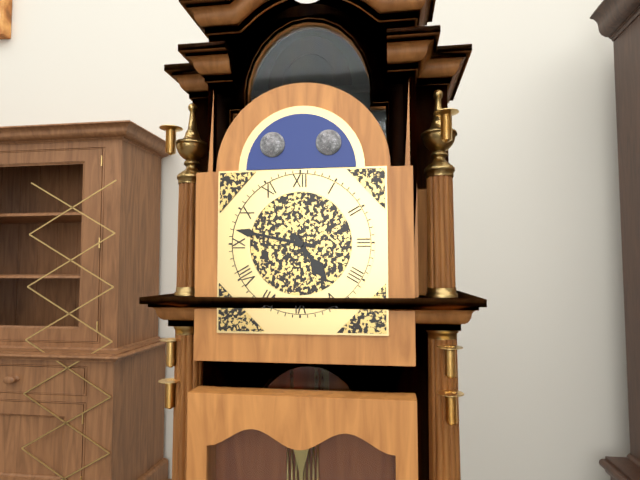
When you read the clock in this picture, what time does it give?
4:47
